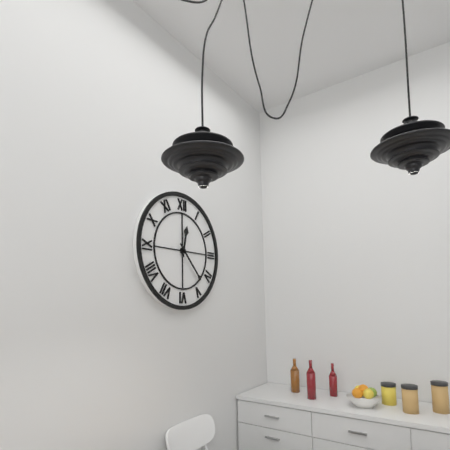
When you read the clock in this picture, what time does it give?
12:23
